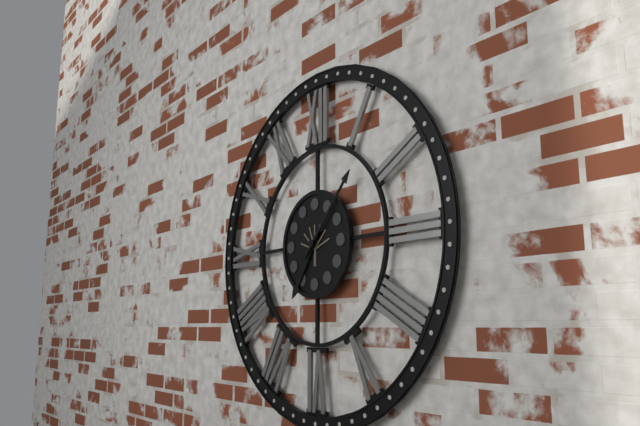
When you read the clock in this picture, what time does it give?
7:07
